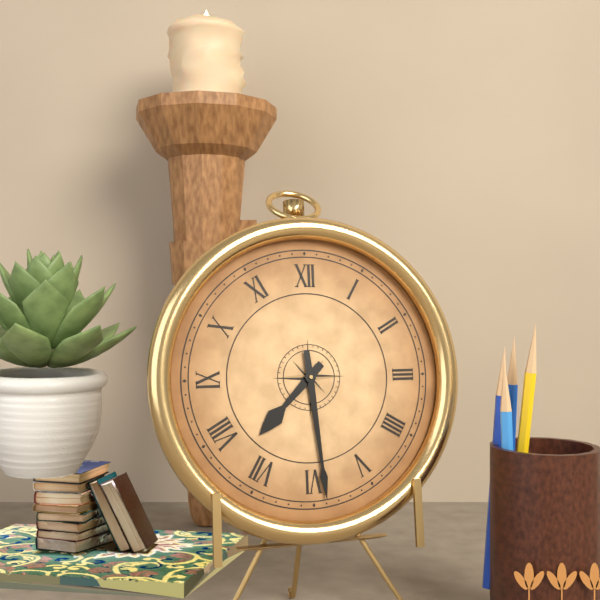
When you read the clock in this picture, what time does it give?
7:29
